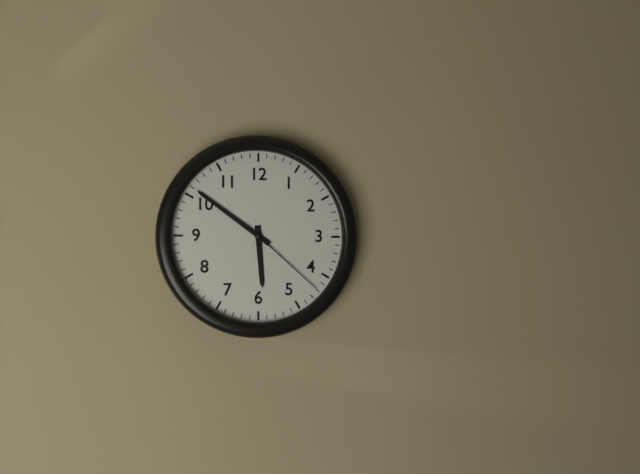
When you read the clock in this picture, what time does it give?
5:51:22
